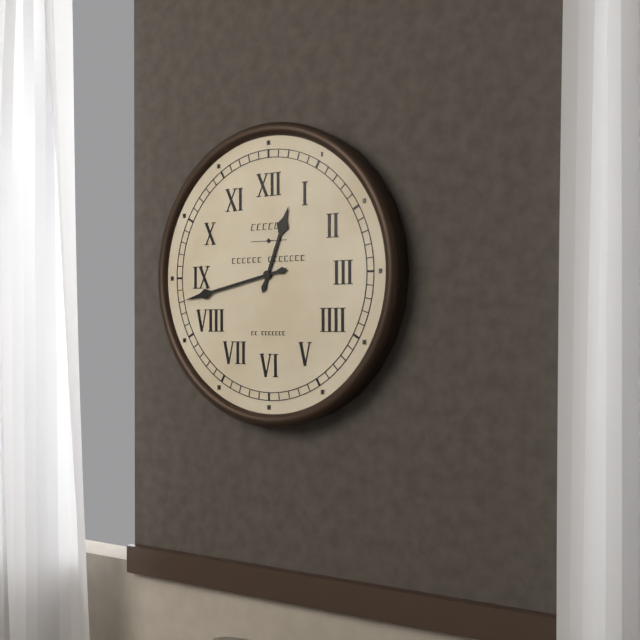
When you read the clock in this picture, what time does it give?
12:43
